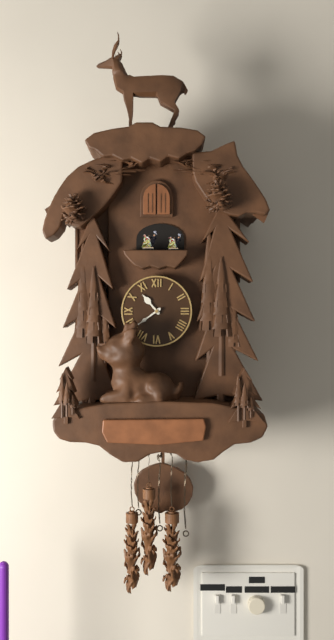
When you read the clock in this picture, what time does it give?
10:39
